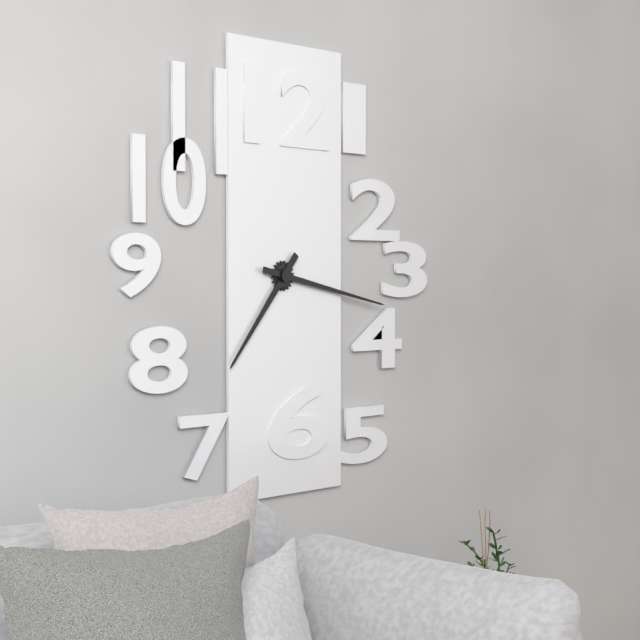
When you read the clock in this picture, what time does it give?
7:17
